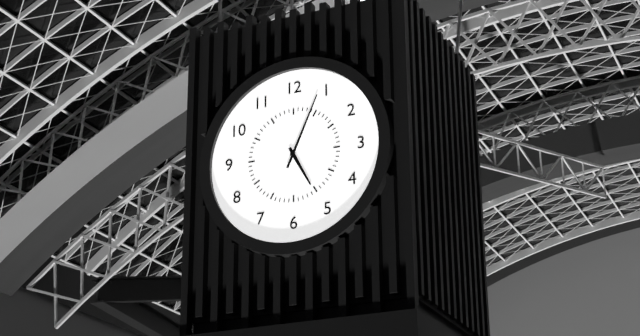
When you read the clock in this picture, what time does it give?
5:04
